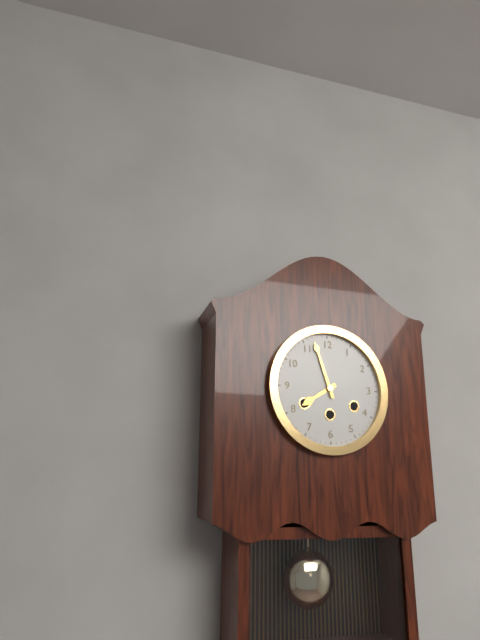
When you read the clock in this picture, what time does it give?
7:57
